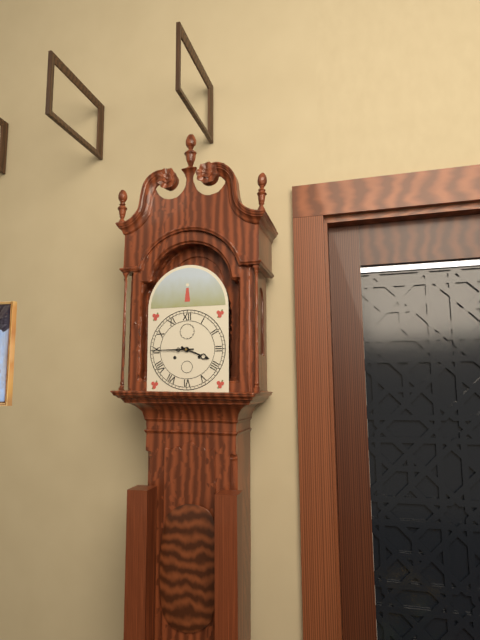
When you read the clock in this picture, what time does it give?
3:45
